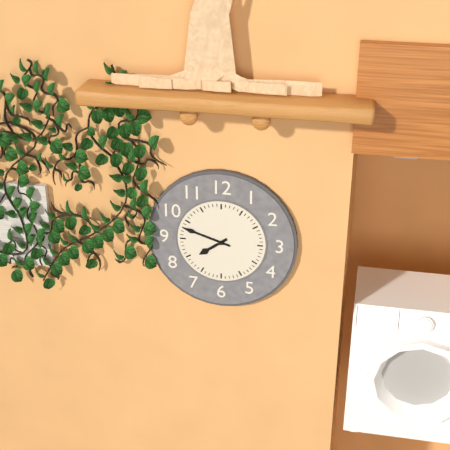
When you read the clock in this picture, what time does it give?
7:48
